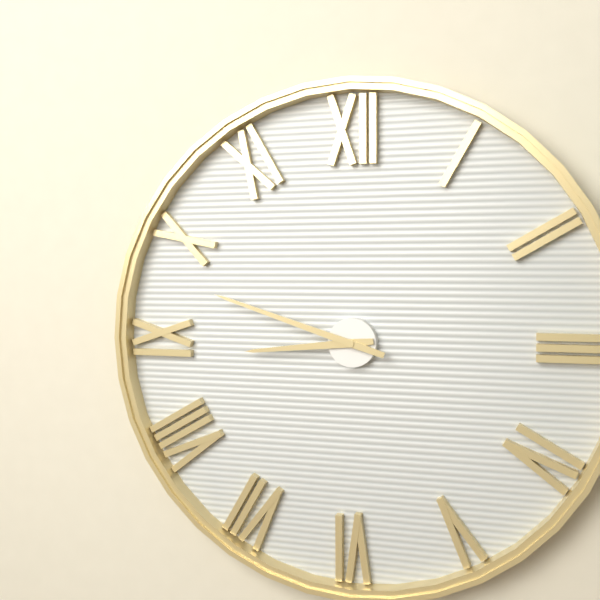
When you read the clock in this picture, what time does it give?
8:48
